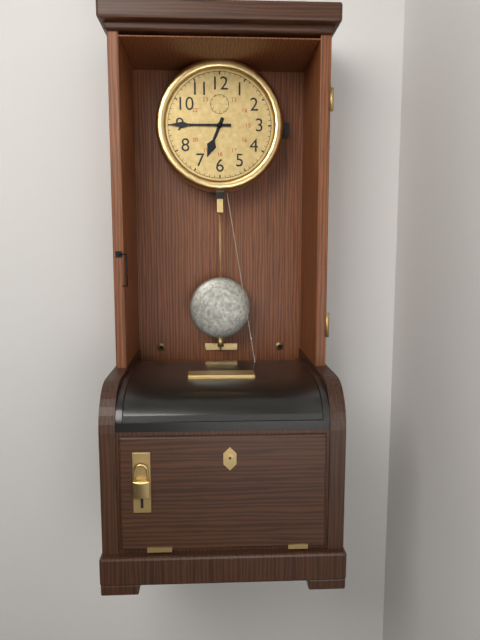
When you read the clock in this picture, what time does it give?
6:45
